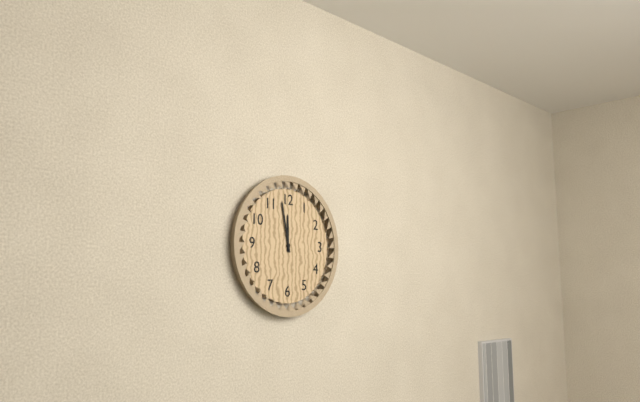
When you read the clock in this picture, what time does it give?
11:58
